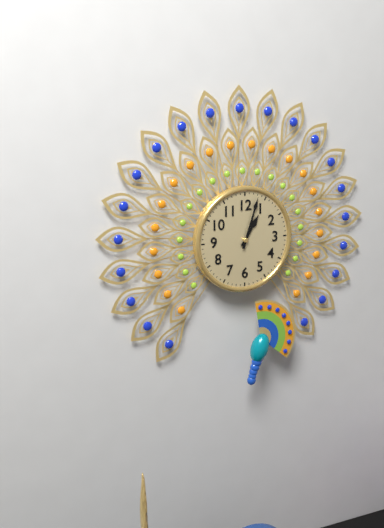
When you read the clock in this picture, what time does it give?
1:03
